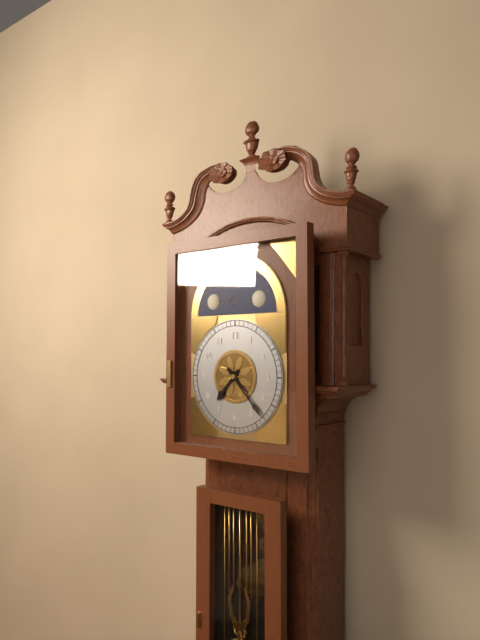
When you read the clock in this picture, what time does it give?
7:23
